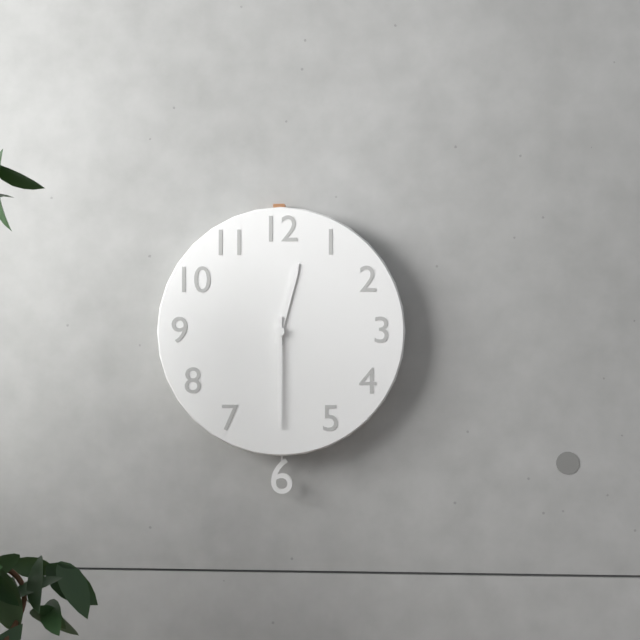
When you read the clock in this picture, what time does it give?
12:30
